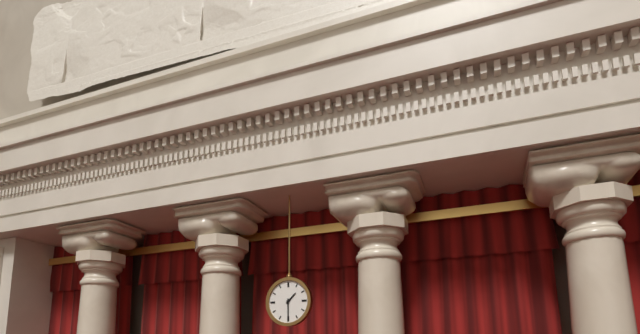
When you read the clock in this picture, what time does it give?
1:30
